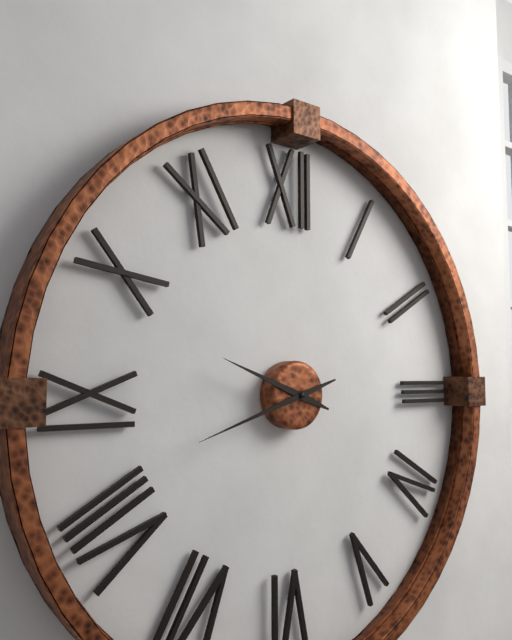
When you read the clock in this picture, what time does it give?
9:42
